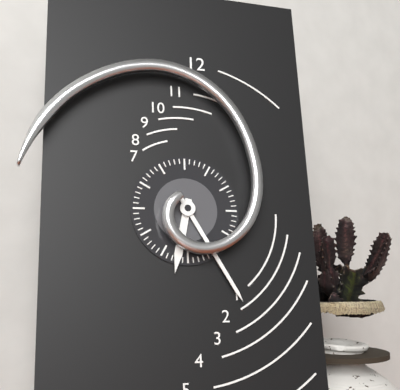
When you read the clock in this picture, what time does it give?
6:25
